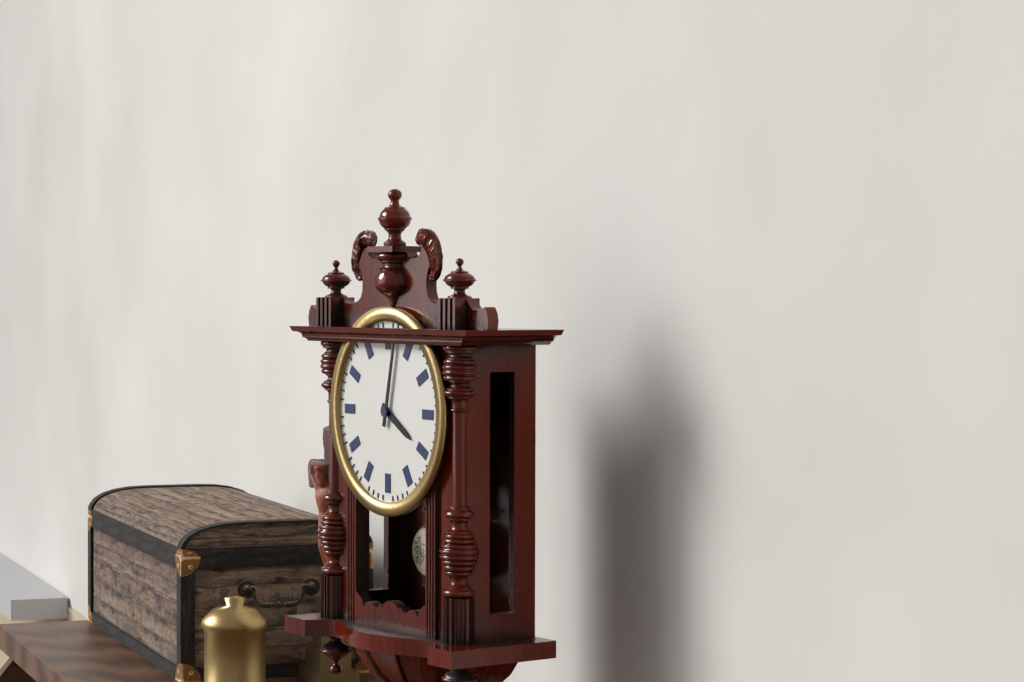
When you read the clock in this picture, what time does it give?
4:02
